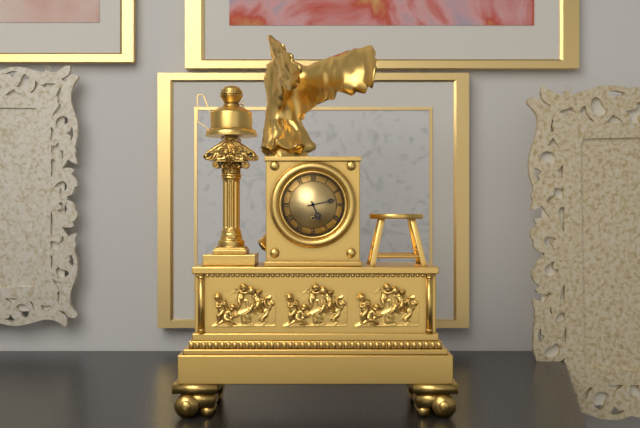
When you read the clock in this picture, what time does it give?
5:13
